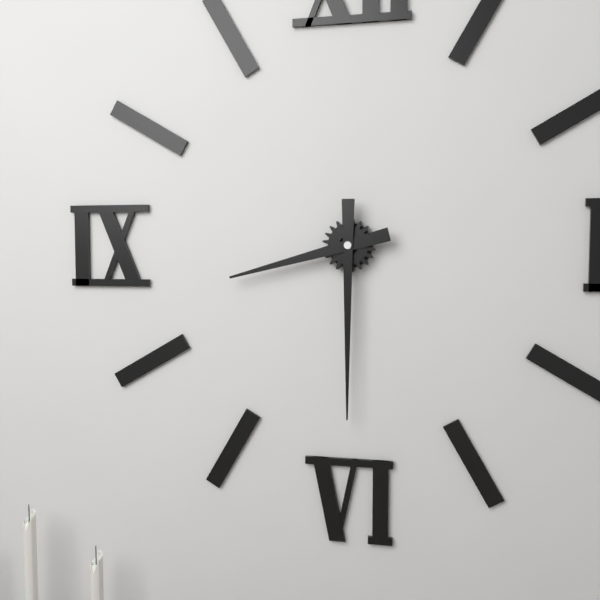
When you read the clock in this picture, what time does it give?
8:30
